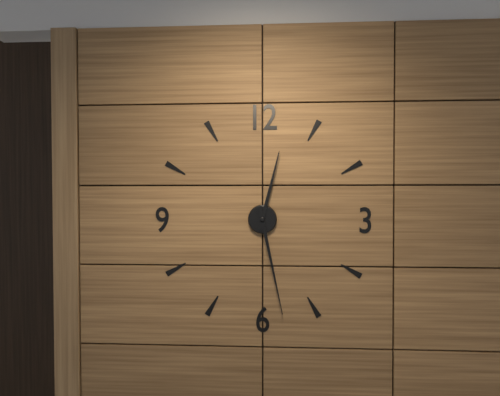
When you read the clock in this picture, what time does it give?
12:28
